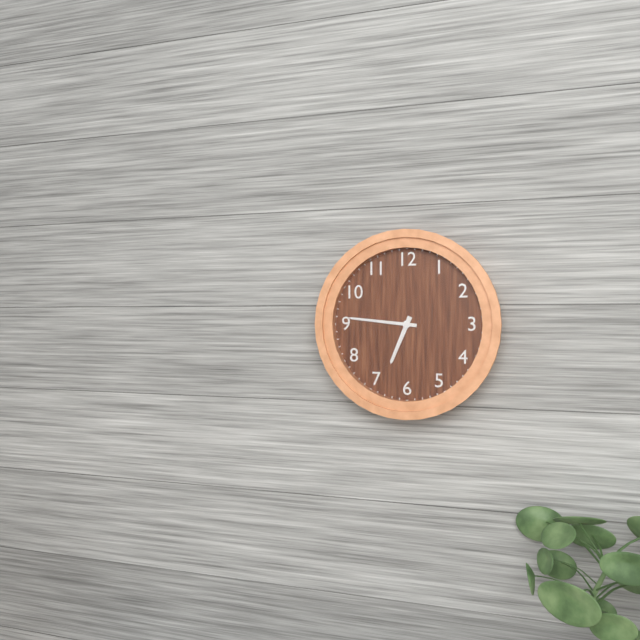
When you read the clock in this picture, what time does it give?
6:46
